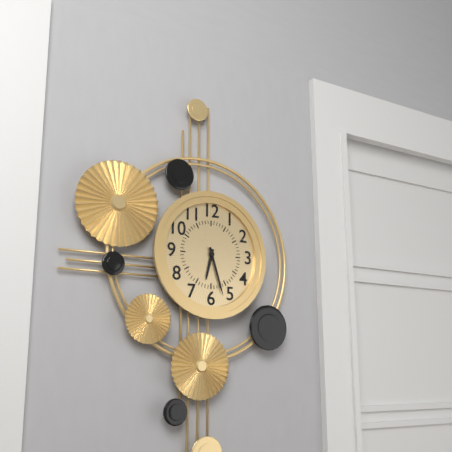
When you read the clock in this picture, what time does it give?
6:27
